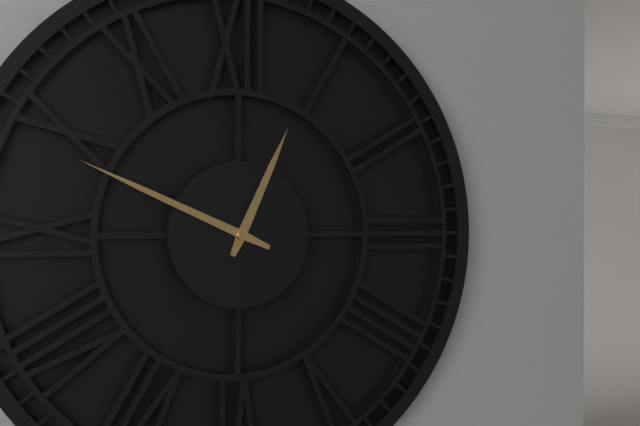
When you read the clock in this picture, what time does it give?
12:49
